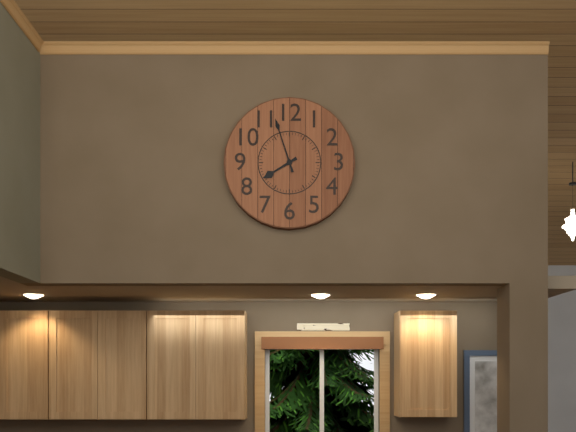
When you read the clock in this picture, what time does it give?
7:57
